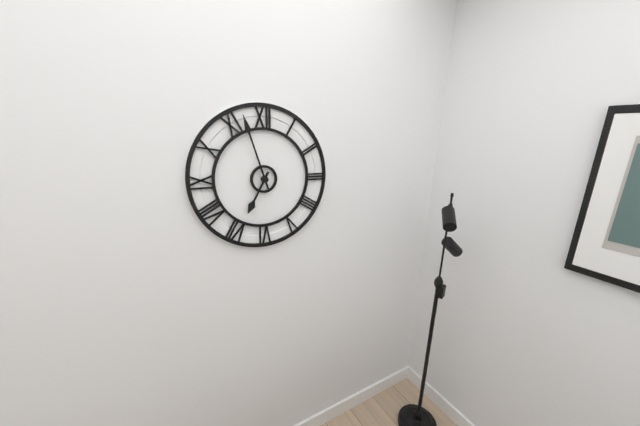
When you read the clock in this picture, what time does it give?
6:57
